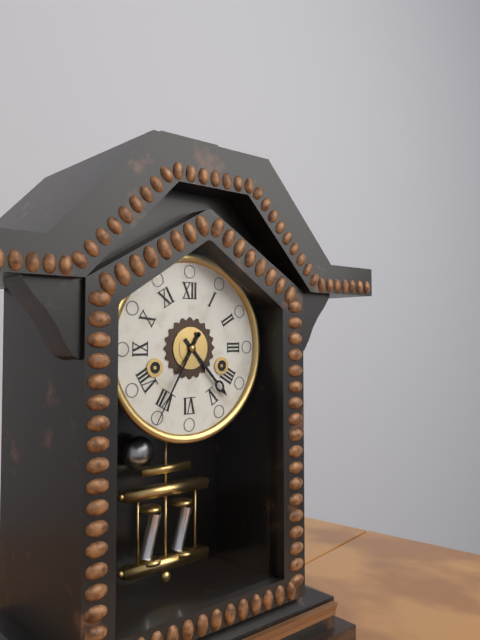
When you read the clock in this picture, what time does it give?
4:35
